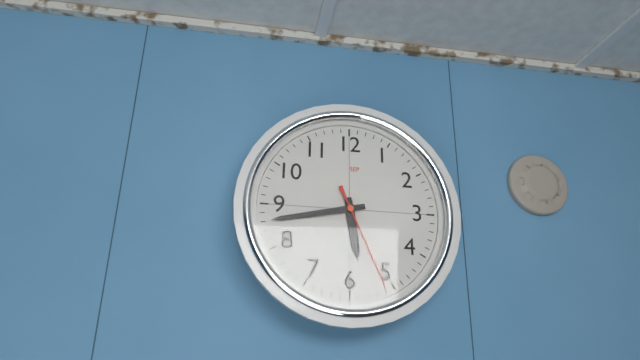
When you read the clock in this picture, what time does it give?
5:43:26
